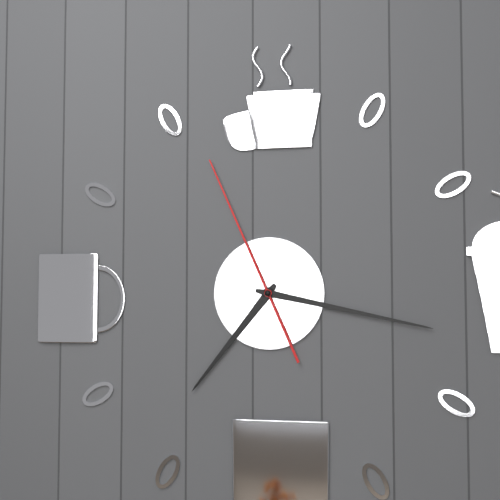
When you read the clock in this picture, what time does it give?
7:17:56
